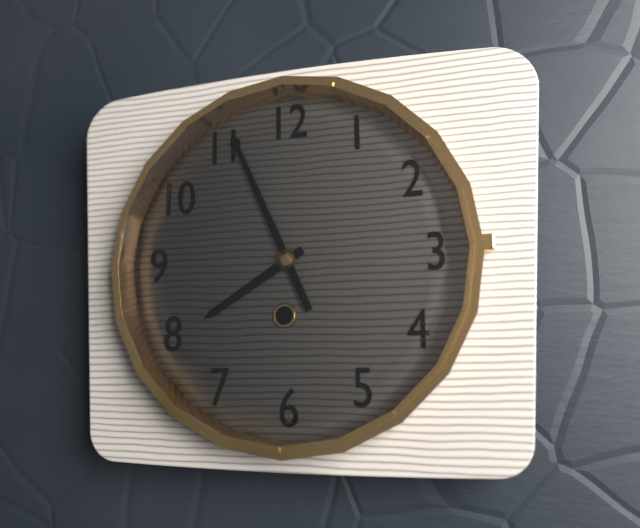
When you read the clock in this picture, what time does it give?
7:56
